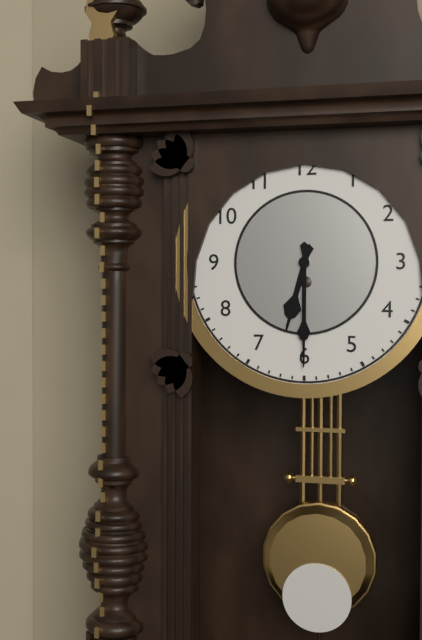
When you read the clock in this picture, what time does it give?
6:30
